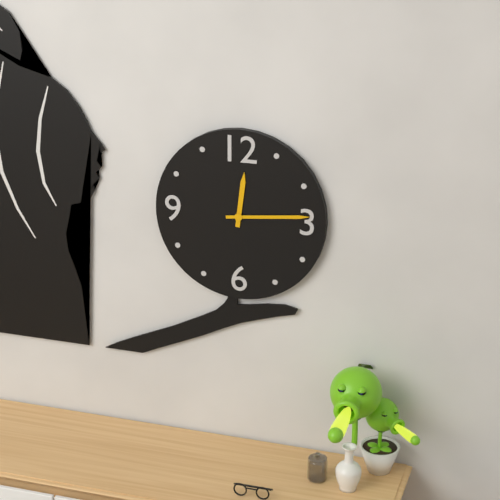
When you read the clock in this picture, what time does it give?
12:14
